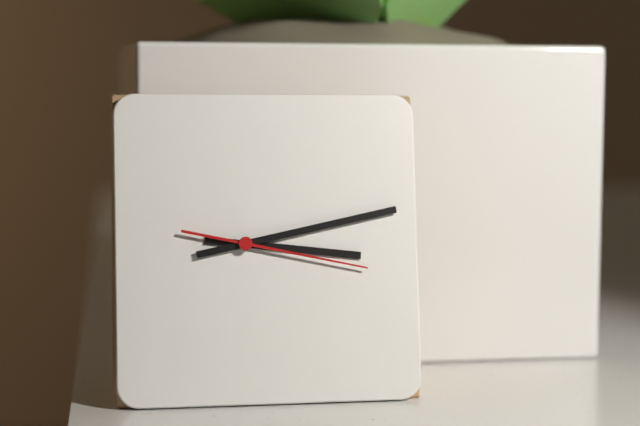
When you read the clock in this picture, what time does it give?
3:13:17
